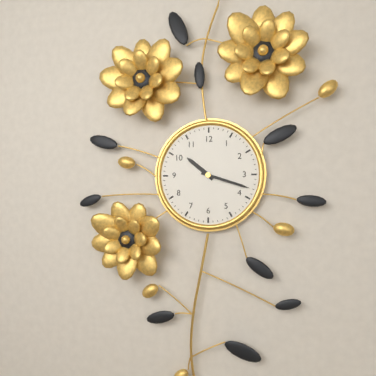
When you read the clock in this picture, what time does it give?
10:18
